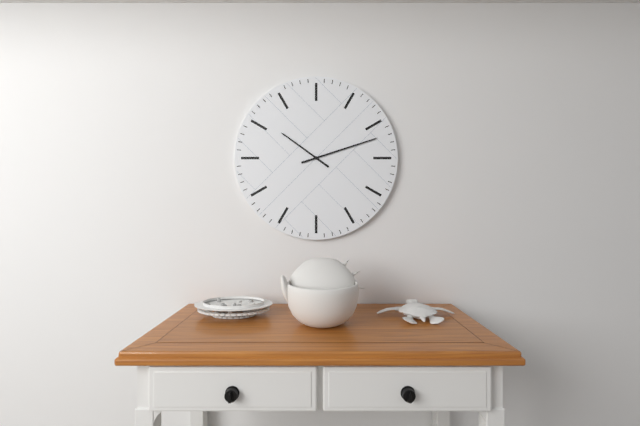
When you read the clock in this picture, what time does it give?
10:12
